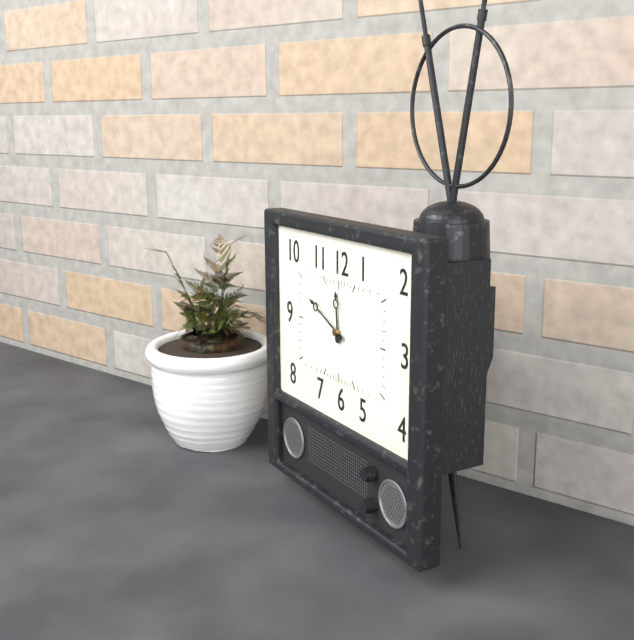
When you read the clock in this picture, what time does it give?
11:49
